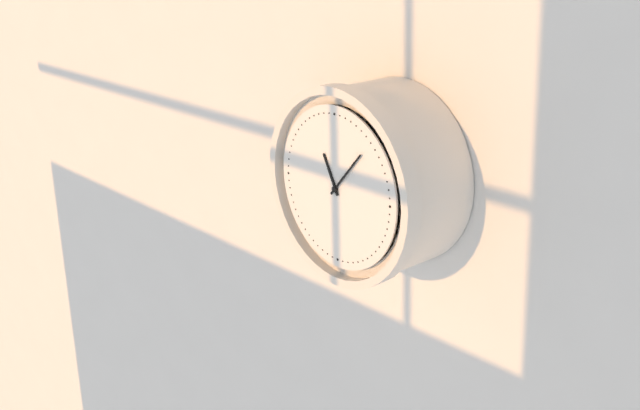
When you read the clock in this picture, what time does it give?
11:07
